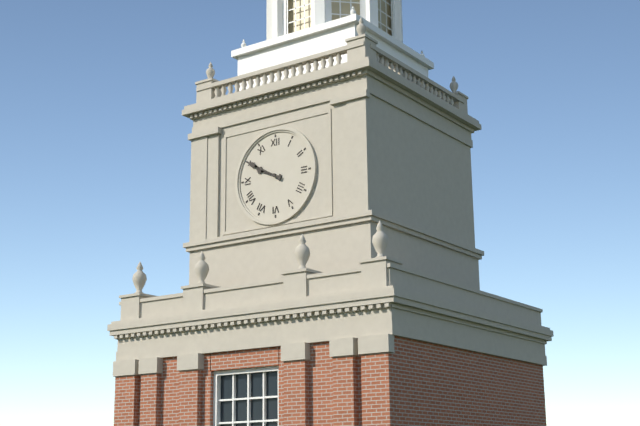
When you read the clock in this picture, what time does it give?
9:50
